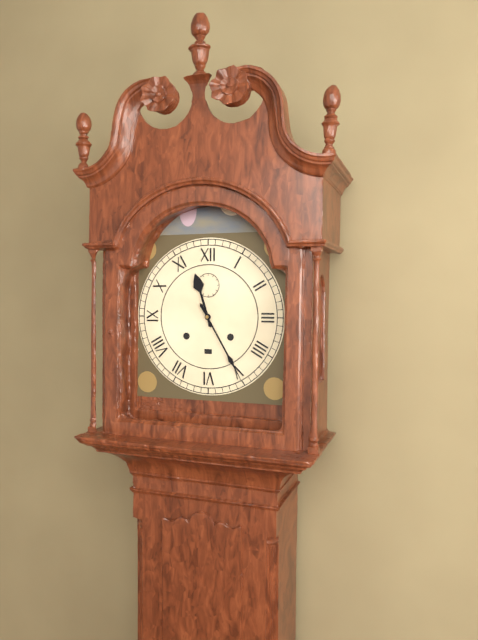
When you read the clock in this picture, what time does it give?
11:25
